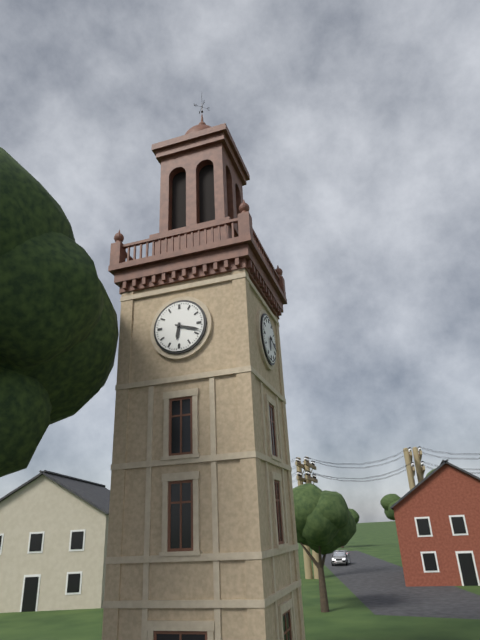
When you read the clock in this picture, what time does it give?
6:18
